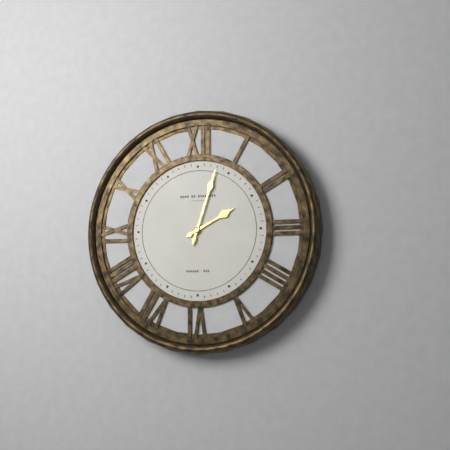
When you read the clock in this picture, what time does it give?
2:03
